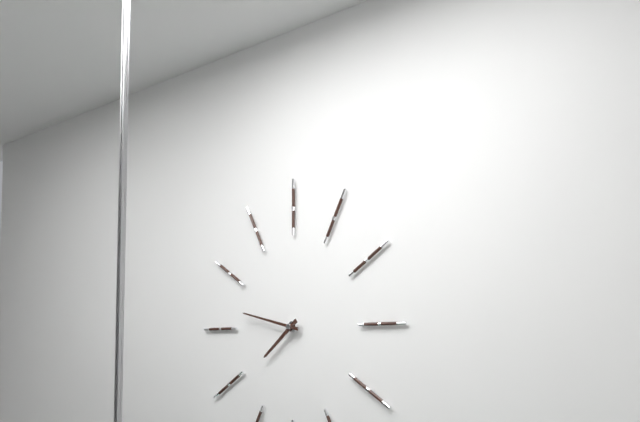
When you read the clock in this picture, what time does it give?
7:47
